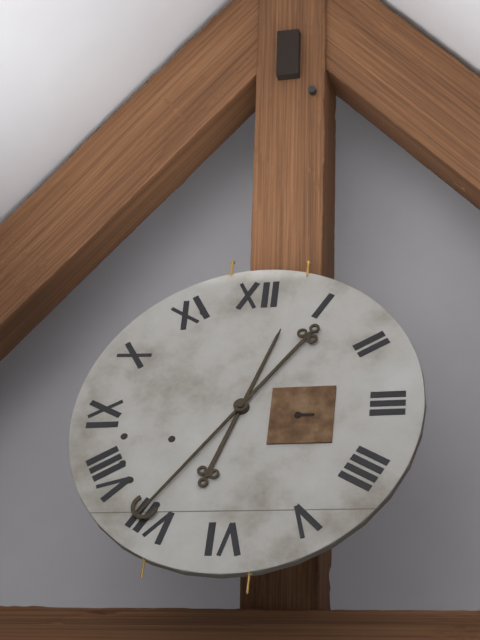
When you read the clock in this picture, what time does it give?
12:36
